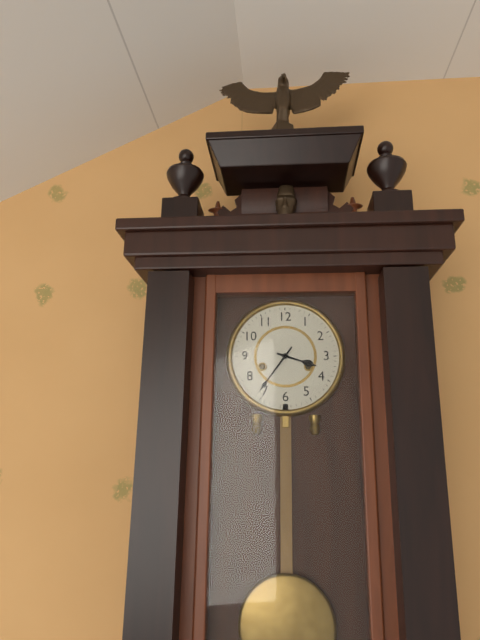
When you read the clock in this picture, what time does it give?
3:36
